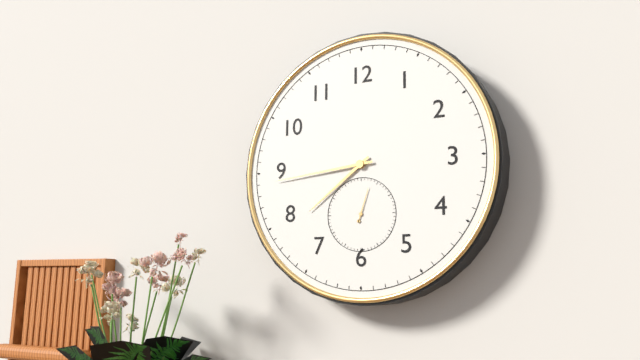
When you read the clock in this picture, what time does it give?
7:44
